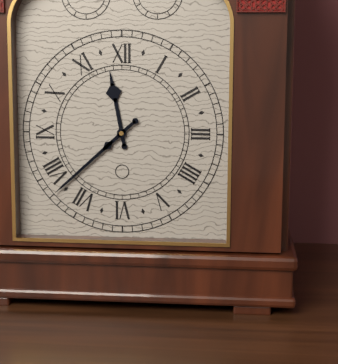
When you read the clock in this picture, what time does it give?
11:38
